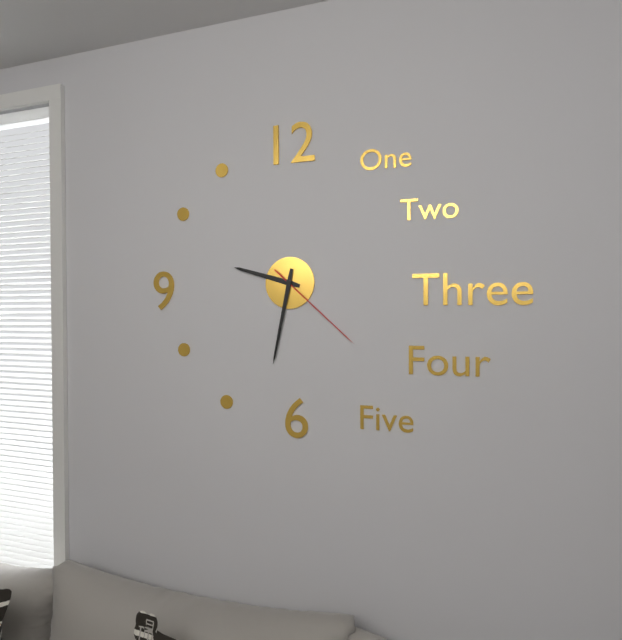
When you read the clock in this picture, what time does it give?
9:32:22
